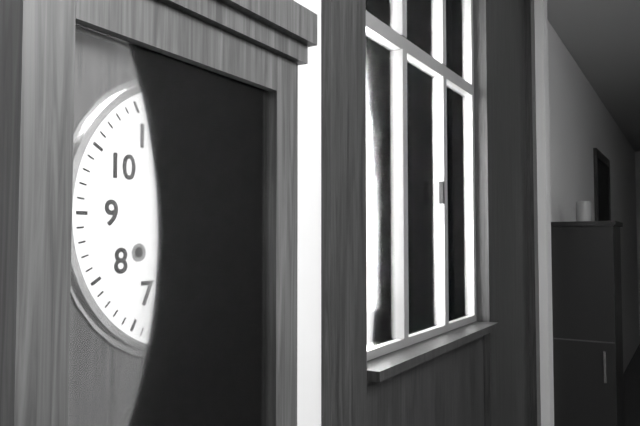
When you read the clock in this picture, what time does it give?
11:08
